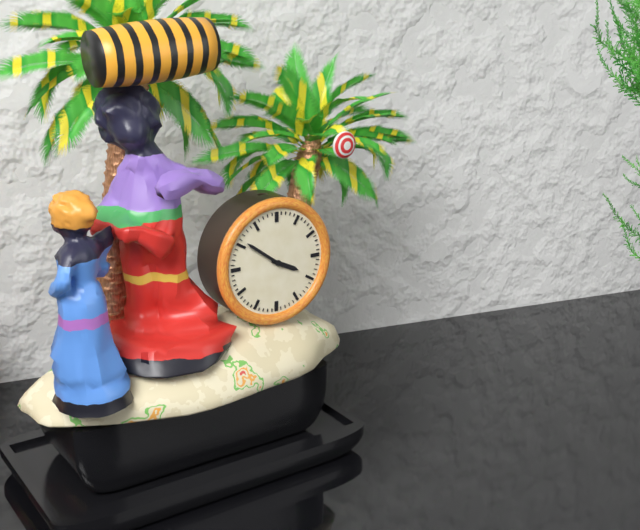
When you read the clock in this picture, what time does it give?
3:51
